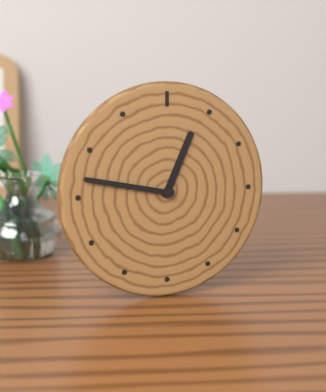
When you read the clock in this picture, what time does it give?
12:47
